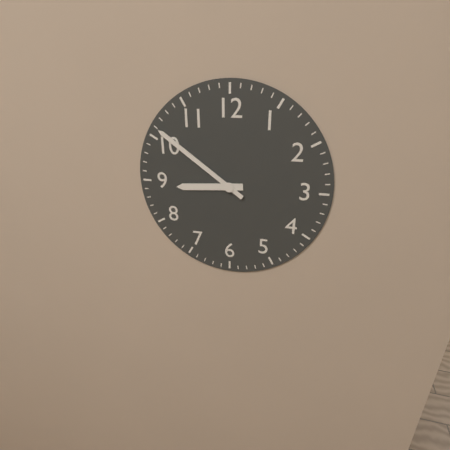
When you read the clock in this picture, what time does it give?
8:51
